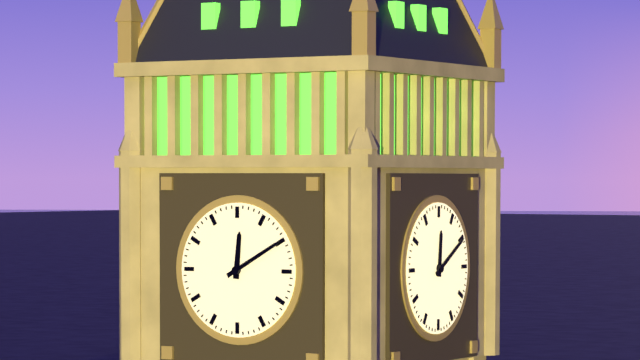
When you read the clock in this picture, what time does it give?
12:10
